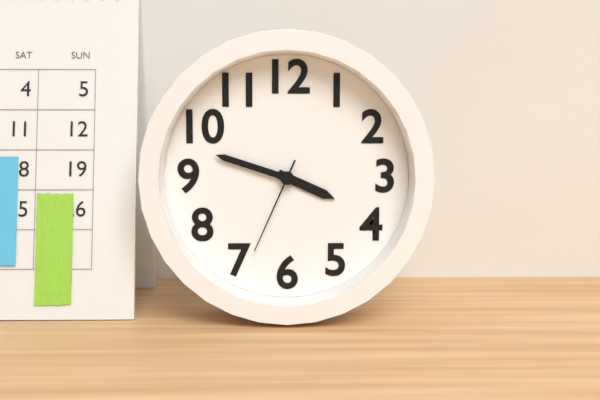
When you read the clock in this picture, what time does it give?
3:48:34
